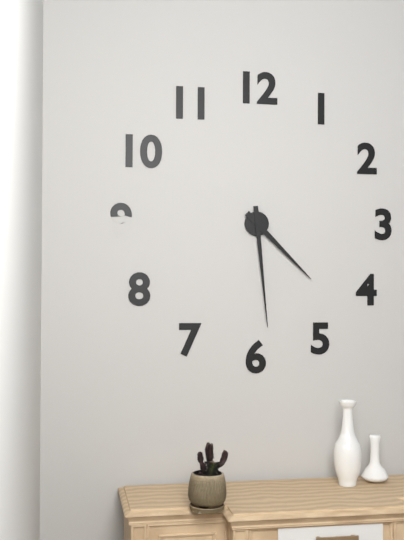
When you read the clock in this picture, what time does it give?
4:29
